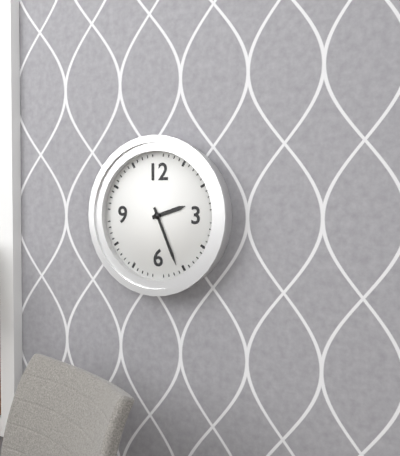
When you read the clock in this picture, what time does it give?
2:26
